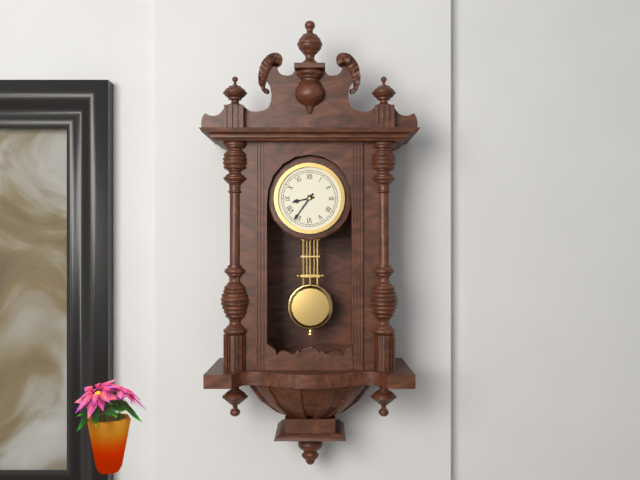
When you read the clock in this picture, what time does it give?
8:36
